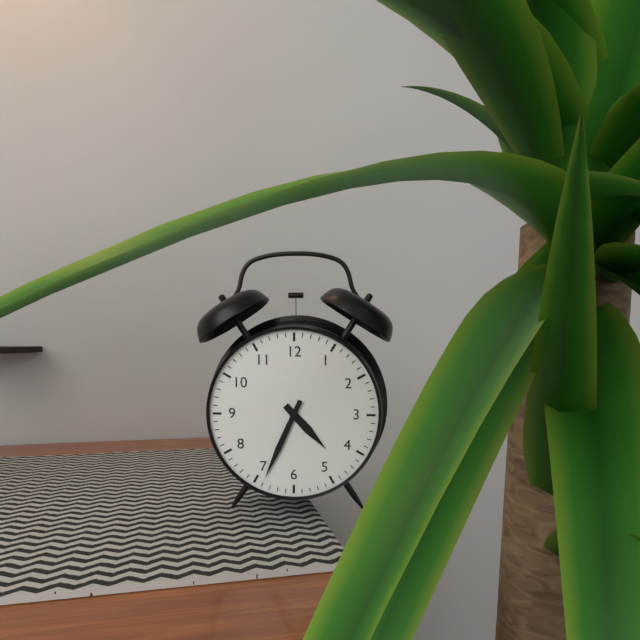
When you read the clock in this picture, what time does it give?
4:34
